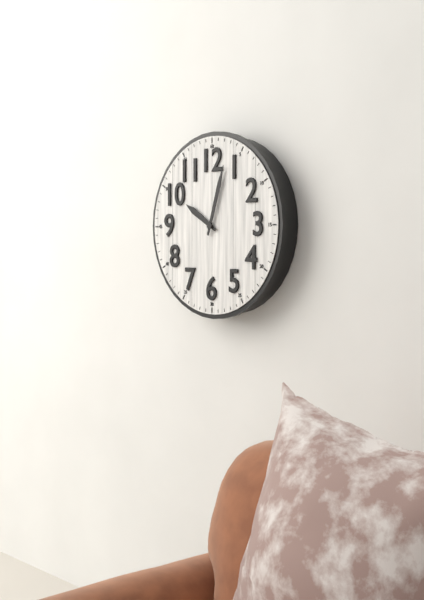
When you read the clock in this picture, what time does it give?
10:03
